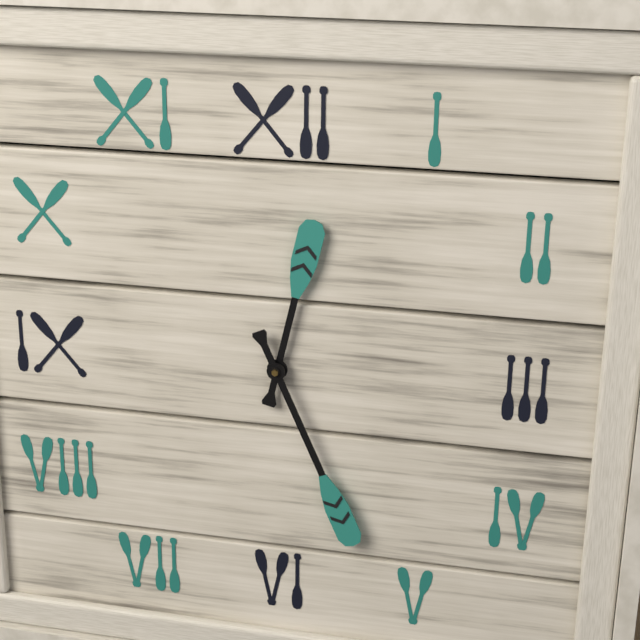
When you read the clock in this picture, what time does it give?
12:26
